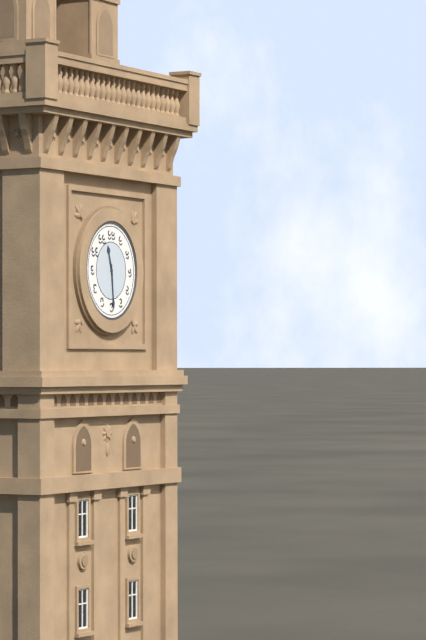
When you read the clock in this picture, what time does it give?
11:29
